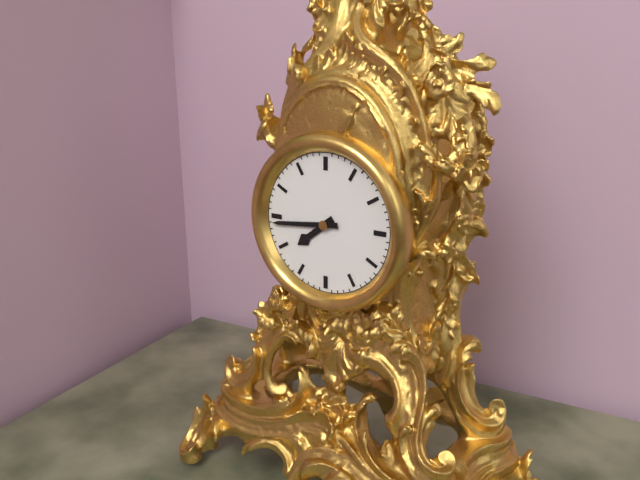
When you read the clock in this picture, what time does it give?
7:44
